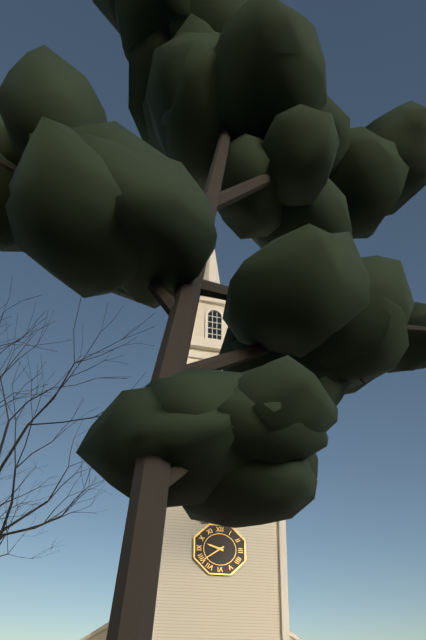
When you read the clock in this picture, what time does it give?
9:39
